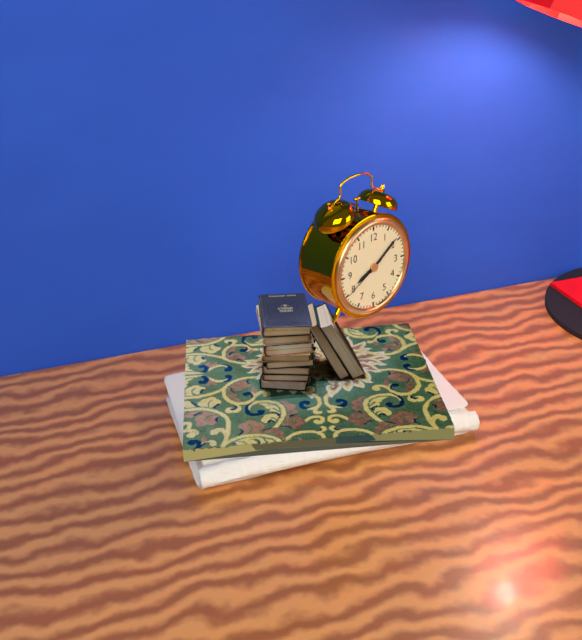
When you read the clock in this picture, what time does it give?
8:09
